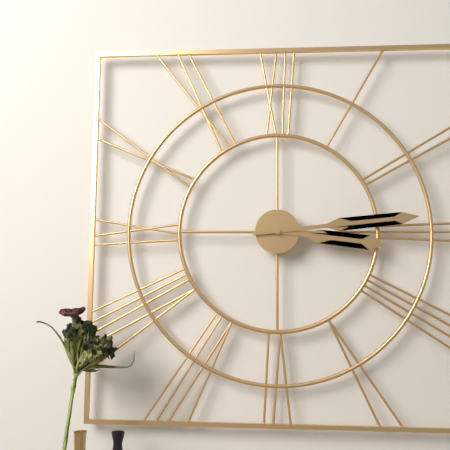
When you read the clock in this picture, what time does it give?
3:14
